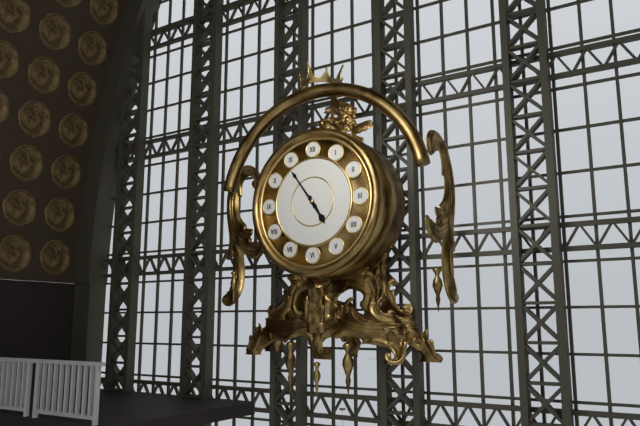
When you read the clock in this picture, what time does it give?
4:54
